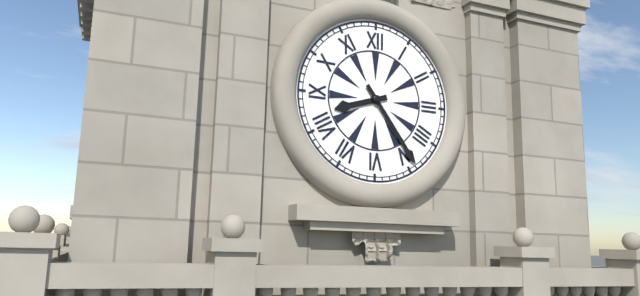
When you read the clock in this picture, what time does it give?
8:24
